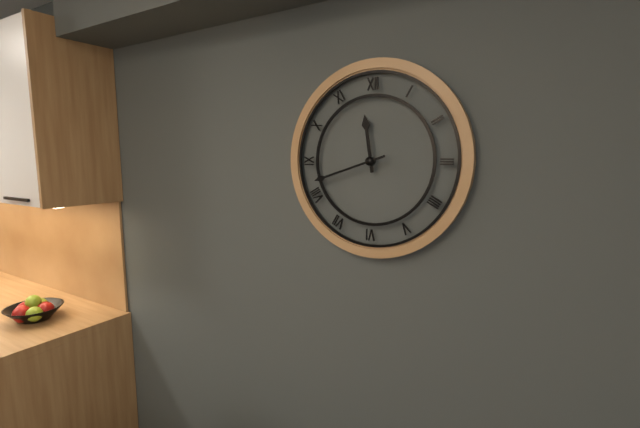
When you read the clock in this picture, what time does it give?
11:42
